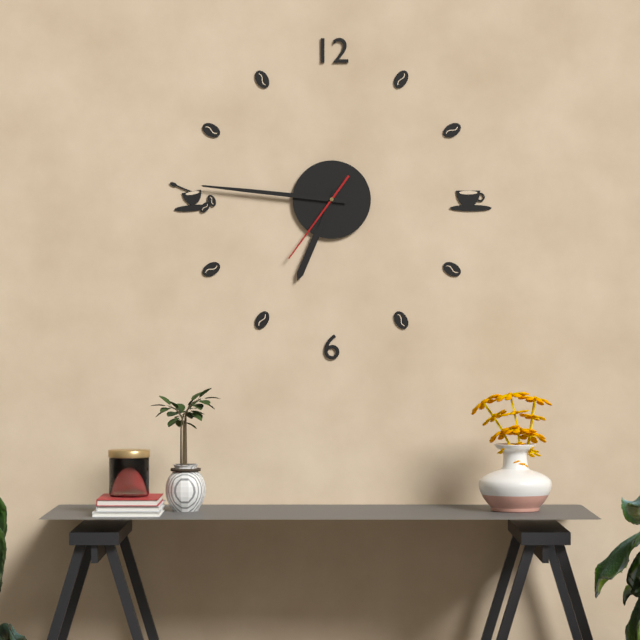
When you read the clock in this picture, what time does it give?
6:46:36
